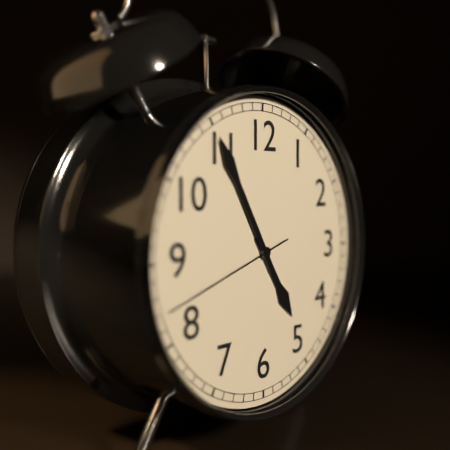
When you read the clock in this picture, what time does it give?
4:55:42
